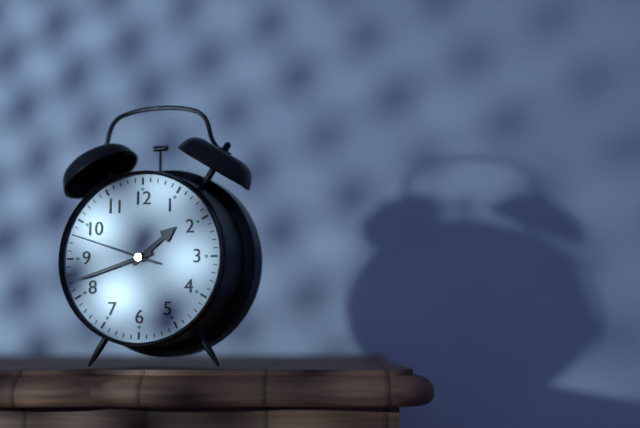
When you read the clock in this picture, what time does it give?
1:42:48
